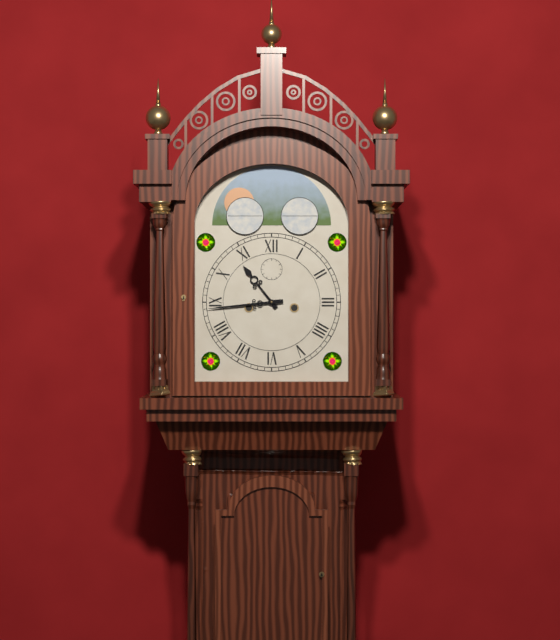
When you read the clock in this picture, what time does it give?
10:44
